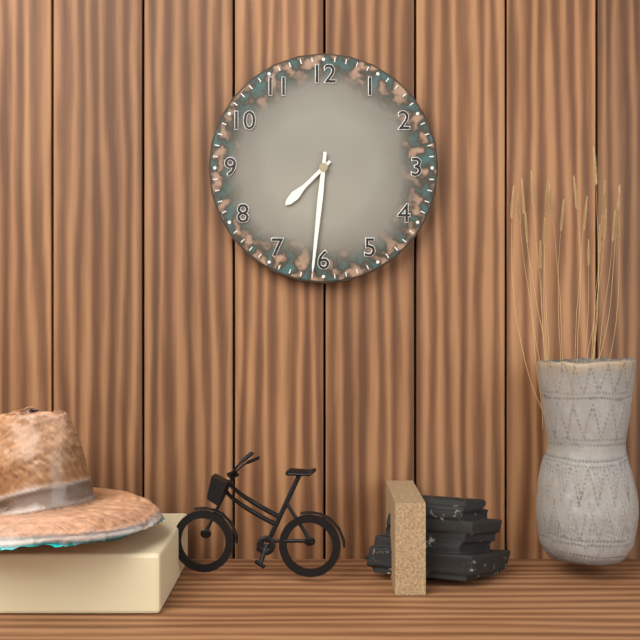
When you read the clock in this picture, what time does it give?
7:31
